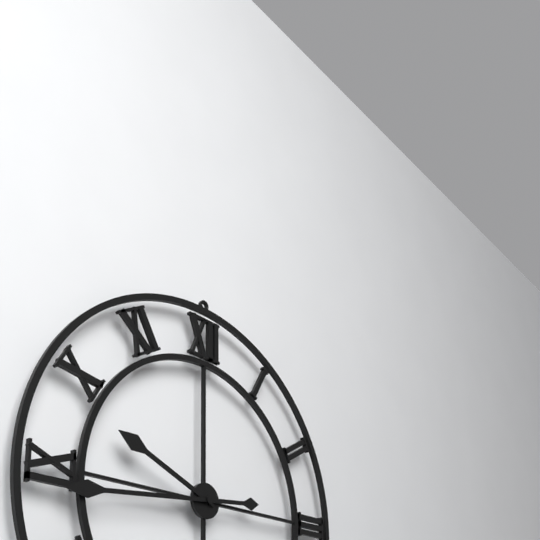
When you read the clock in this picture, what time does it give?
9:44
